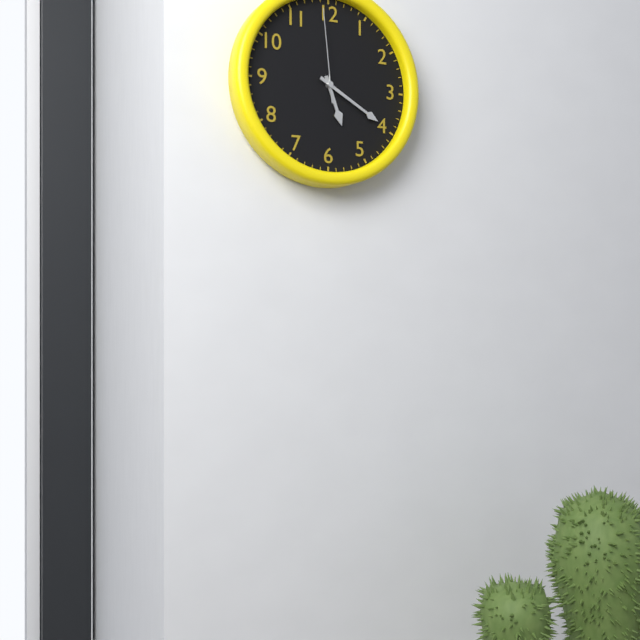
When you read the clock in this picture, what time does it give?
5:20:59
